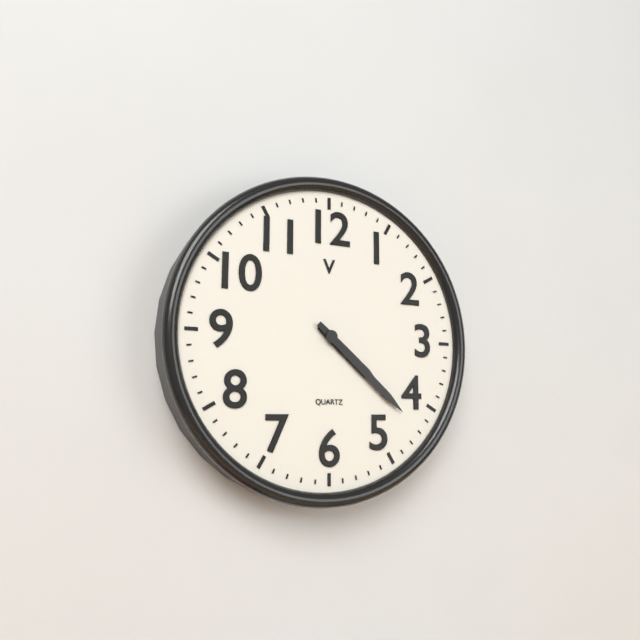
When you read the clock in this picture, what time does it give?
4:22
